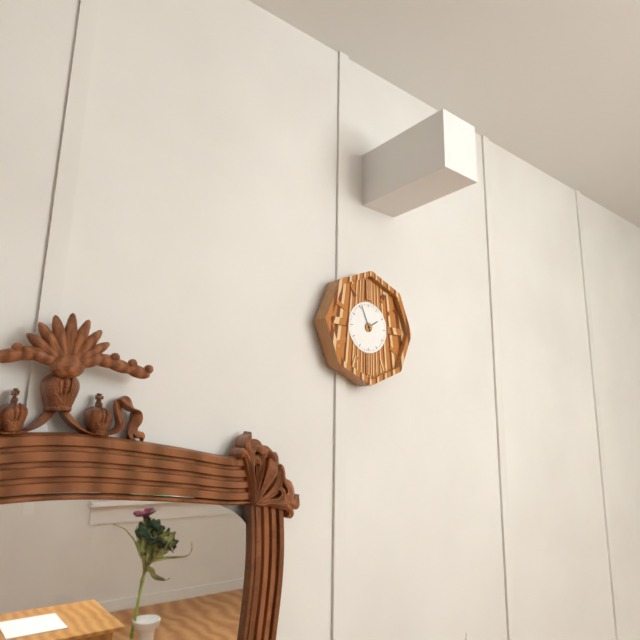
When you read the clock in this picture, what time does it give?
1:56
